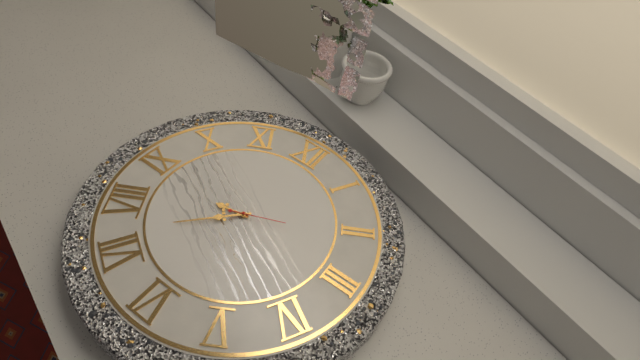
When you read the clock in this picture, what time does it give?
8:37:11
